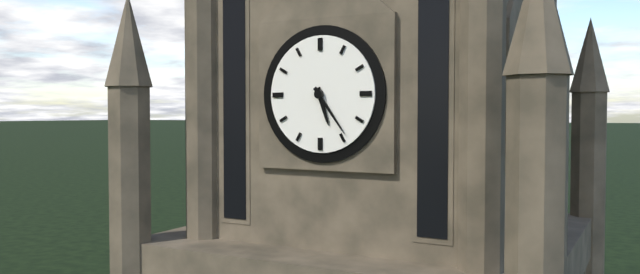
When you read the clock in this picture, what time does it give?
5:24
